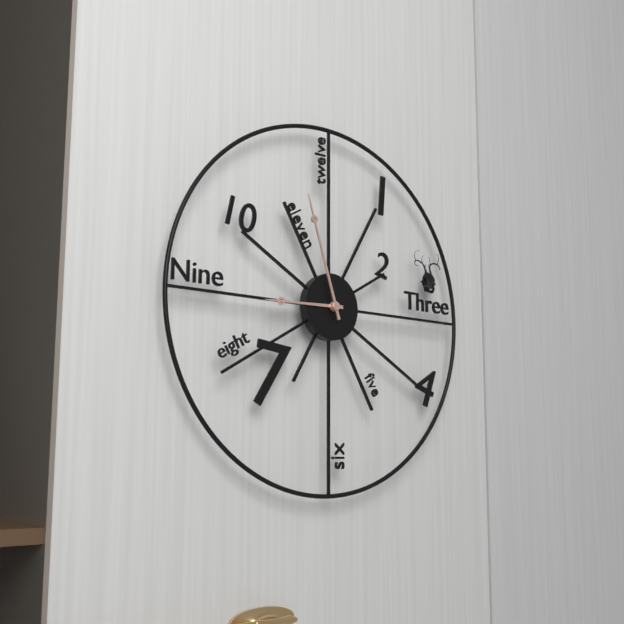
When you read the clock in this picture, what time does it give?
8:57
